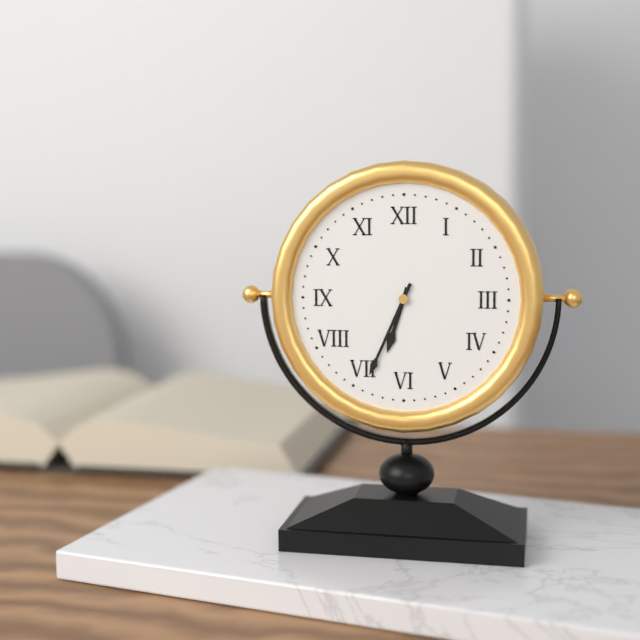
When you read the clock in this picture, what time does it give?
6:34
